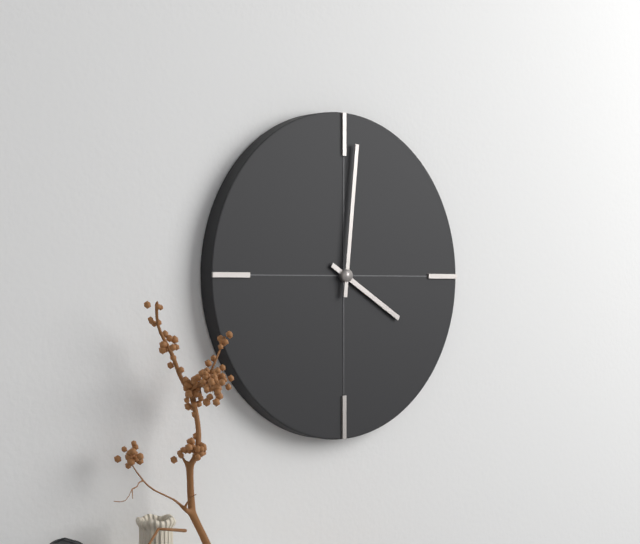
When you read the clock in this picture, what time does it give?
4:01
